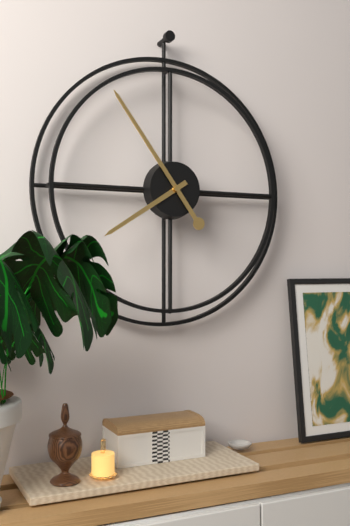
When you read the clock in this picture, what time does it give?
7:54
